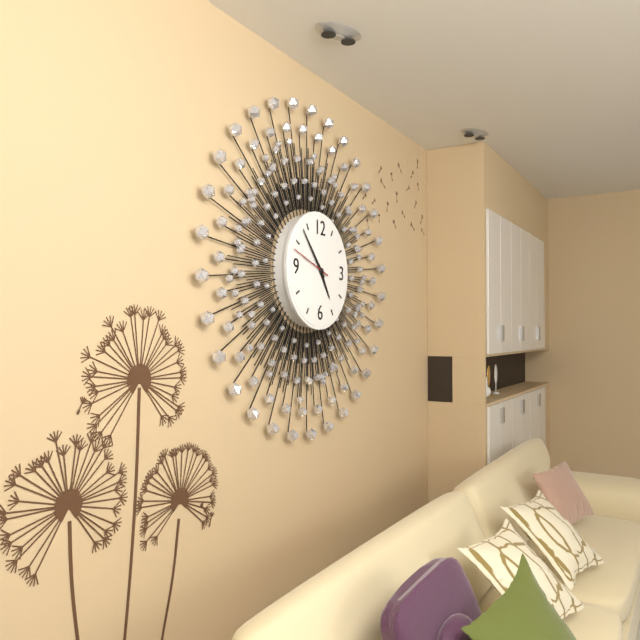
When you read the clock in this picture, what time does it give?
4:53
